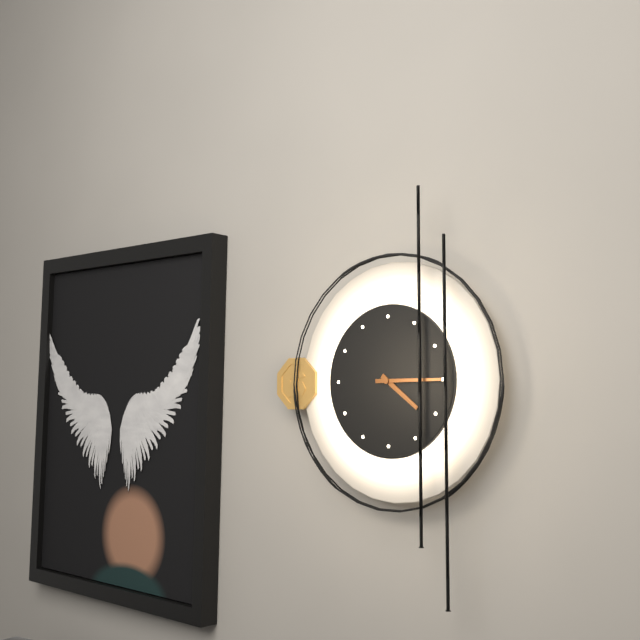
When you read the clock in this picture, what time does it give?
4:15
